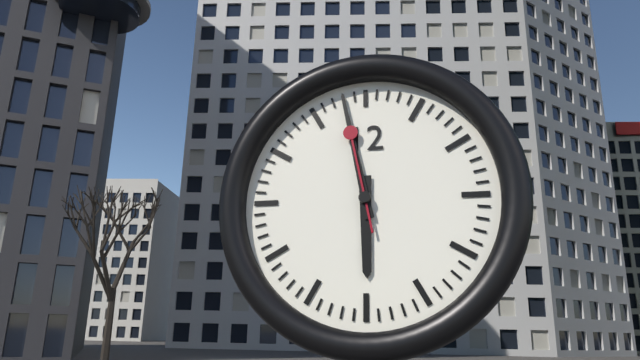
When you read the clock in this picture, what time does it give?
5:58:58
